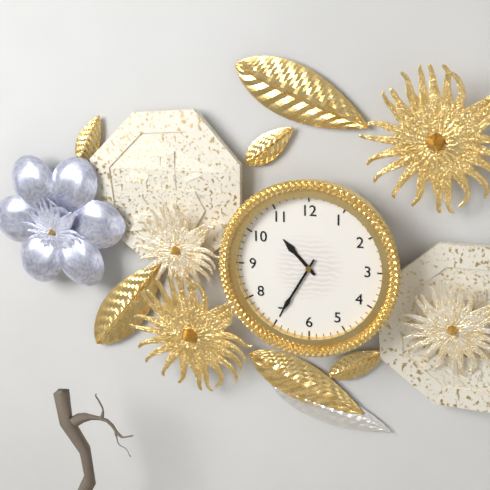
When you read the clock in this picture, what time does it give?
10:35
